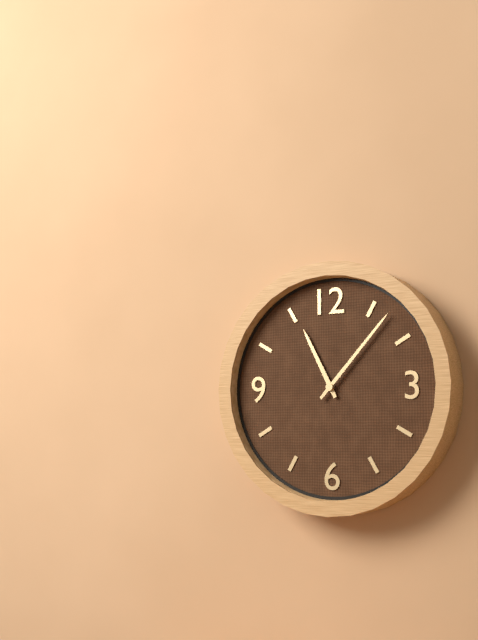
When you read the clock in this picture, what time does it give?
11:07
